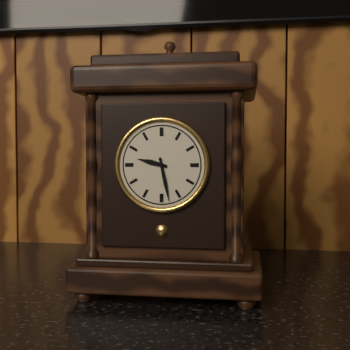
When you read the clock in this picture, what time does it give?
9:28
